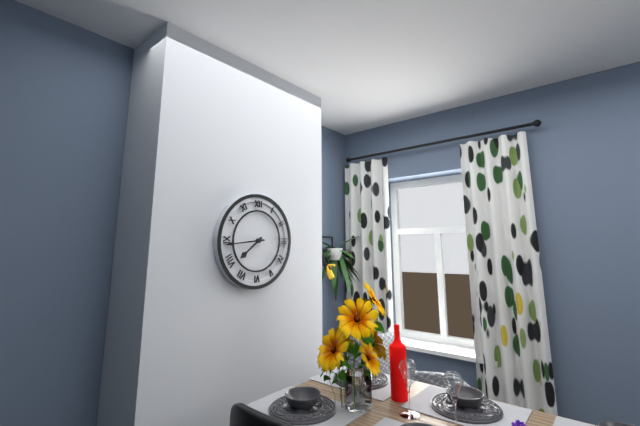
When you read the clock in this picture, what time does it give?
7:44
